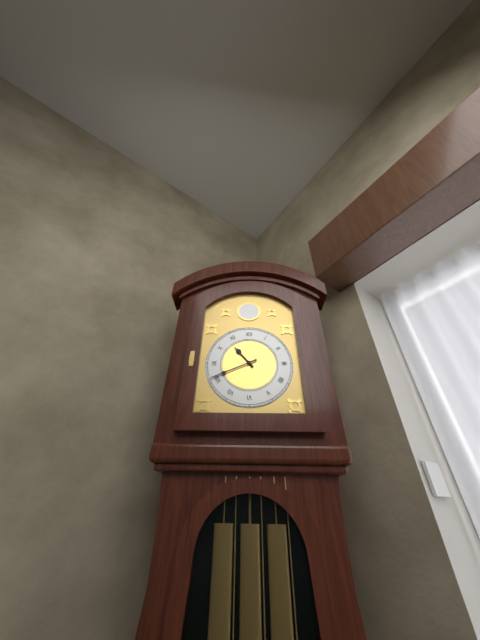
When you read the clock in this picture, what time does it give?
10:41
